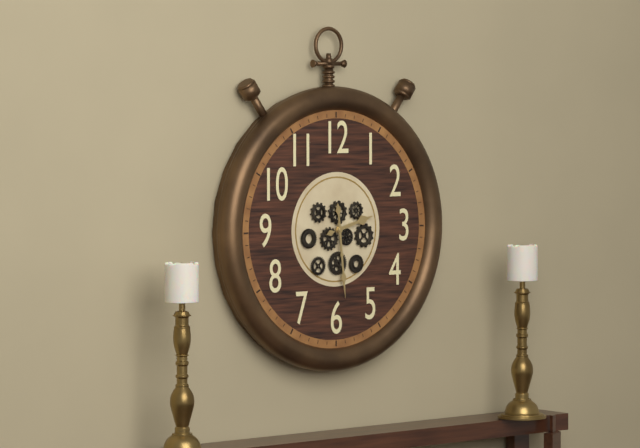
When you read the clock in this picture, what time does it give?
2:29
